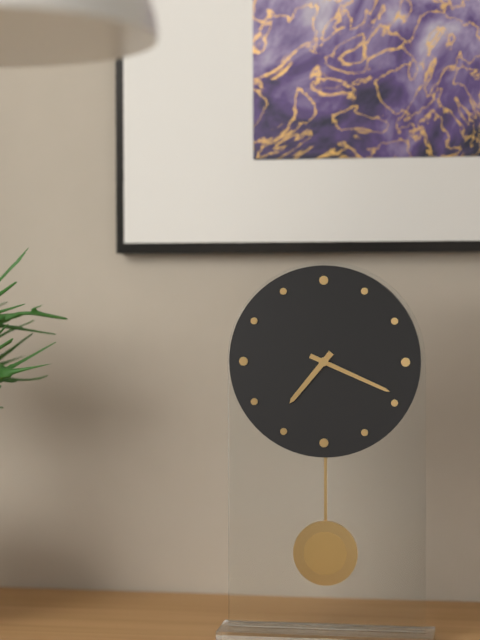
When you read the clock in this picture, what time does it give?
7:19
